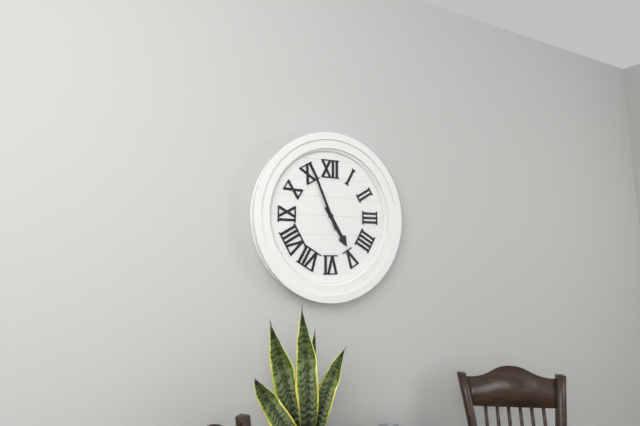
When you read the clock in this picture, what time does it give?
4:56
